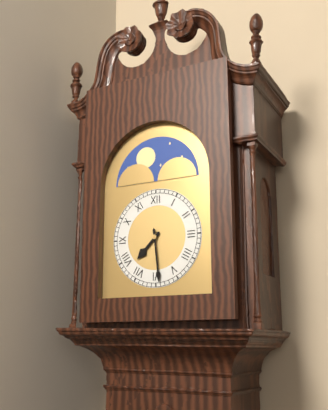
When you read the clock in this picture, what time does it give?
7:29
